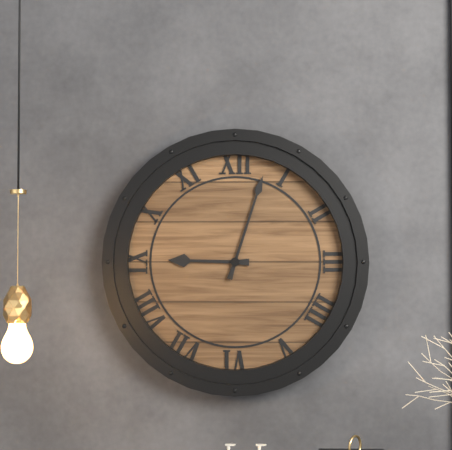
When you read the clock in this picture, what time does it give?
9:03
